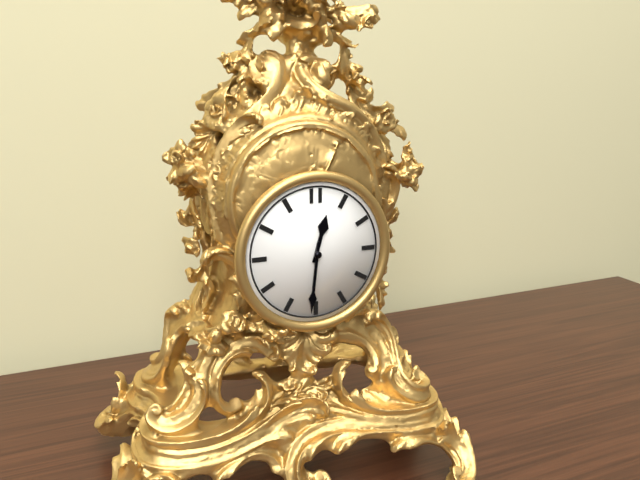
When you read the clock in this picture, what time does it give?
12:31
